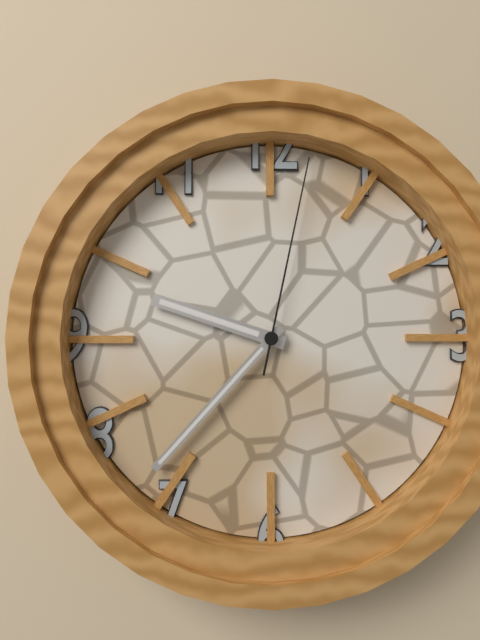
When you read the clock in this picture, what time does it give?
9:37:02
